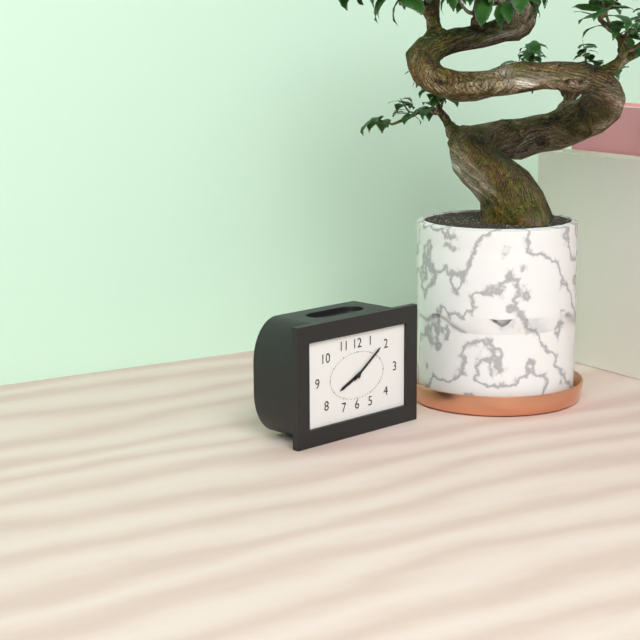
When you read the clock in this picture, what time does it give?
8:09
